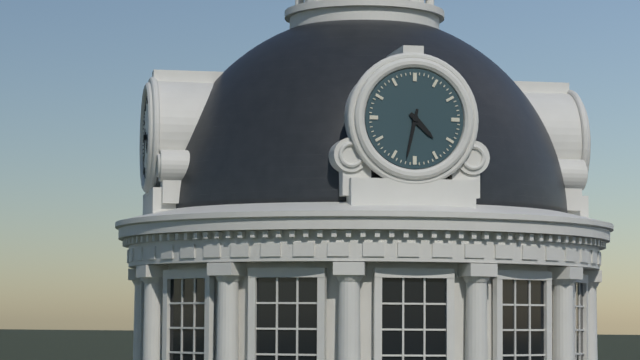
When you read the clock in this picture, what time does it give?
4:32
